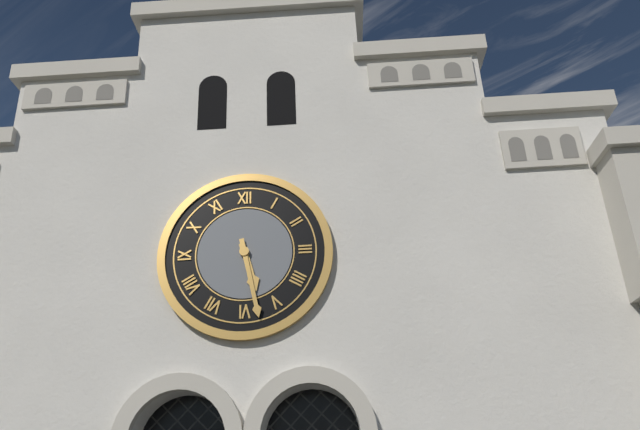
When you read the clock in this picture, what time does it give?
5:28
